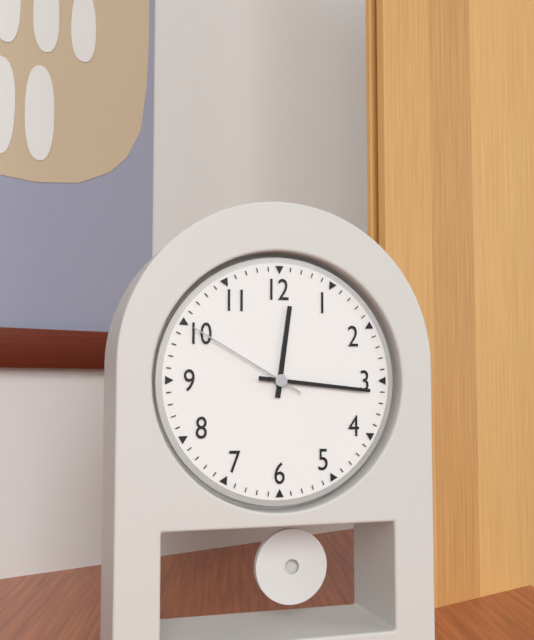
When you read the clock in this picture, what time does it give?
12:16:50
